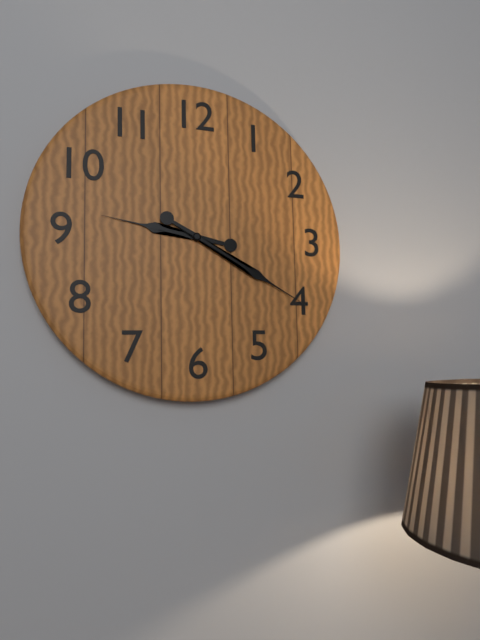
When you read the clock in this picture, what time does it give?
9:20
